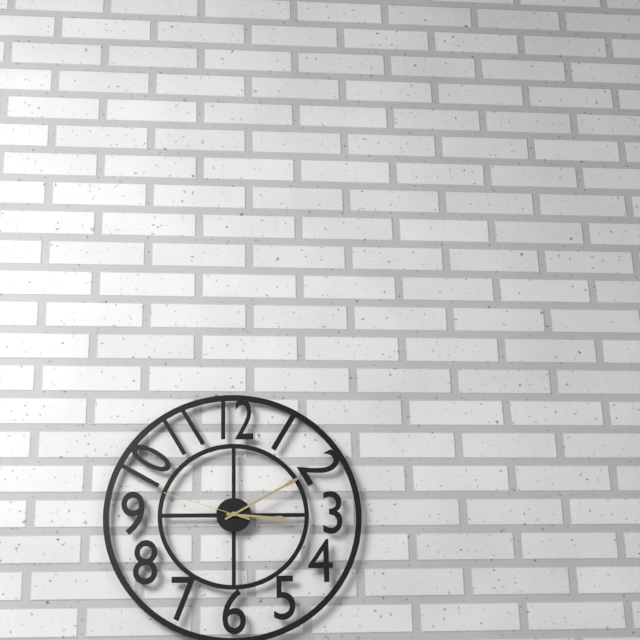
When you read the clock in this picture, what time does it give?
3:10:48
